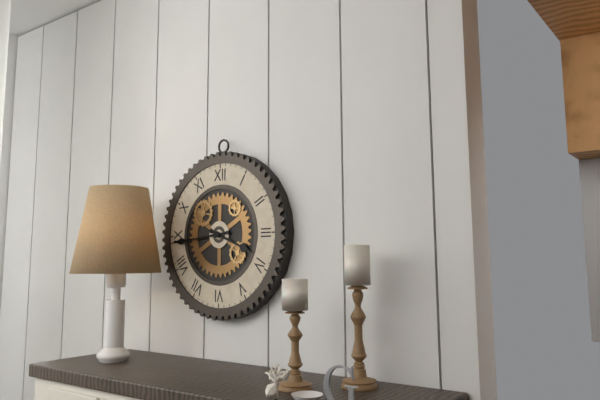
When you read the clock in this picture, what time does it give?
3:44
